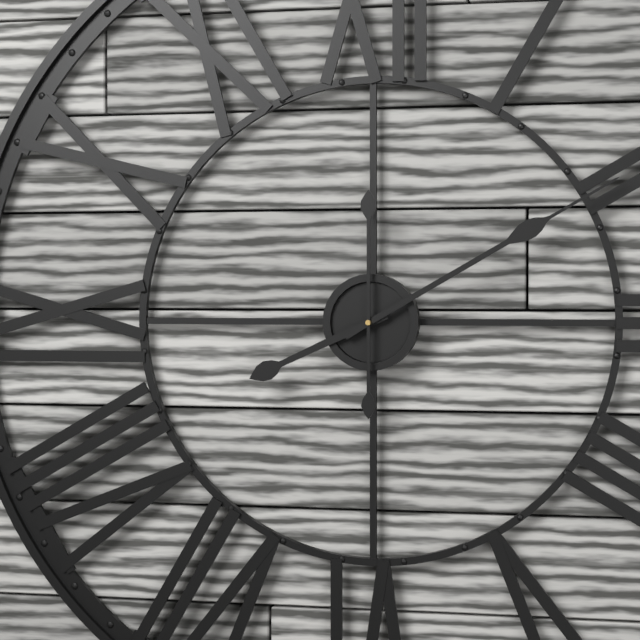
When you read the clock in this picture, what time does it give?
8:10:00
